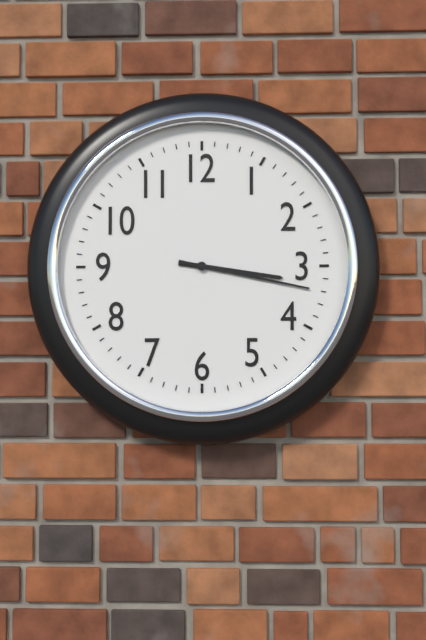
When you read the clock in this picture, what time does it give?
3:17
